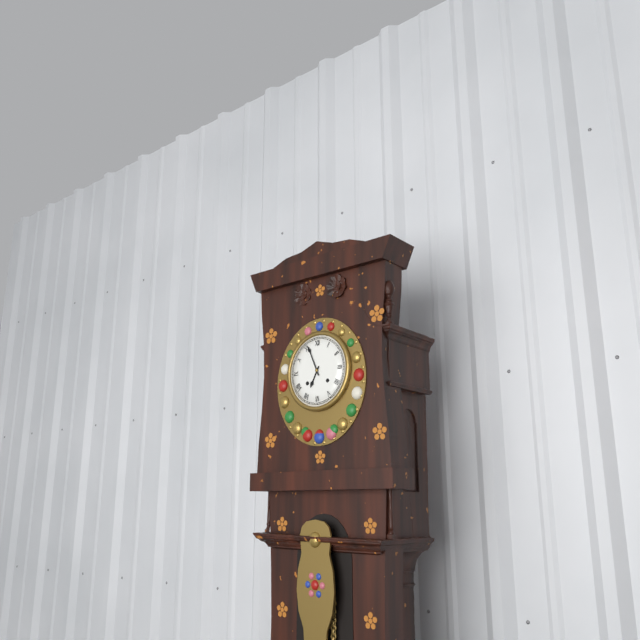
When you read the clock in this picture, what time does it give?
6:56
